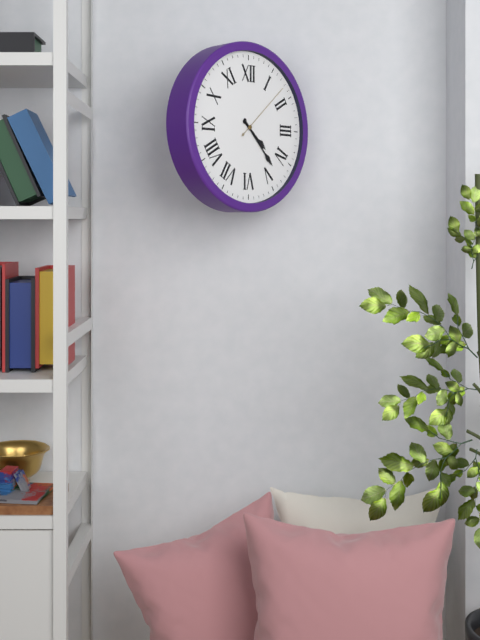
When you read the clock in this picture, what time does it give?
4:23:08
